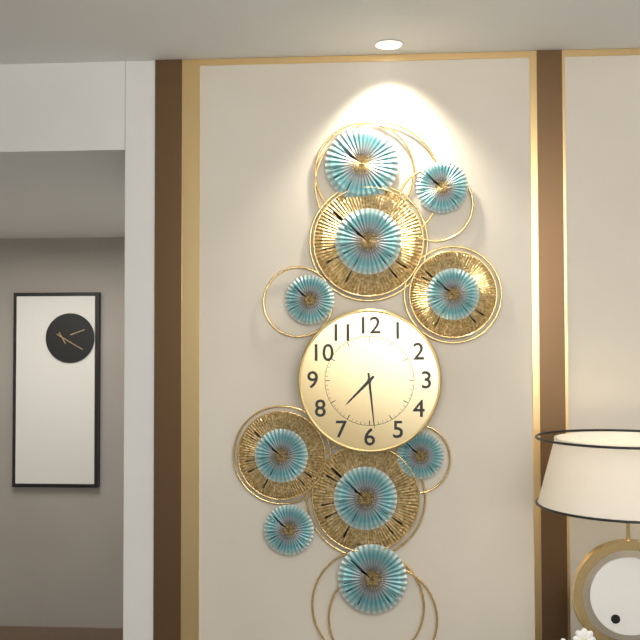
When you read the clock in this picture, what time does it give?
7:29
